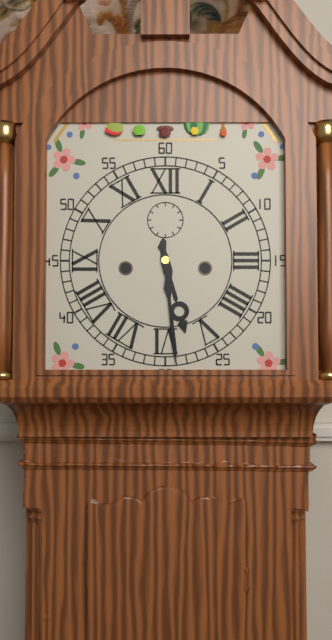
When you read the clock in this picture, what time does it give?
5:29
